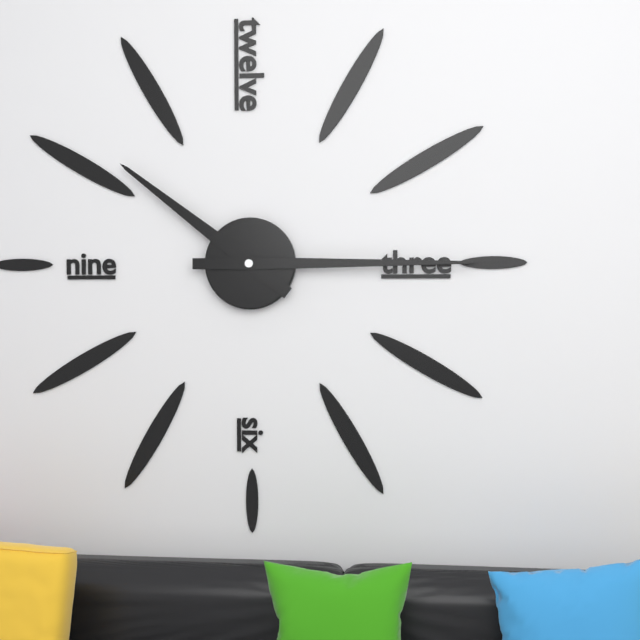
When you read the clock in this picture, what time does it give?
10:15
